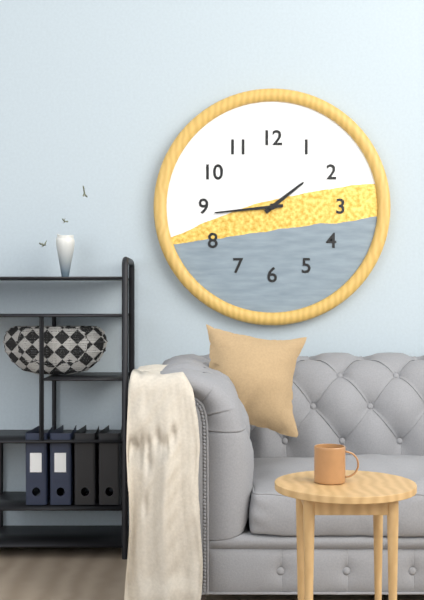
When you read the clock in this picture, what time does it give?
1:44
